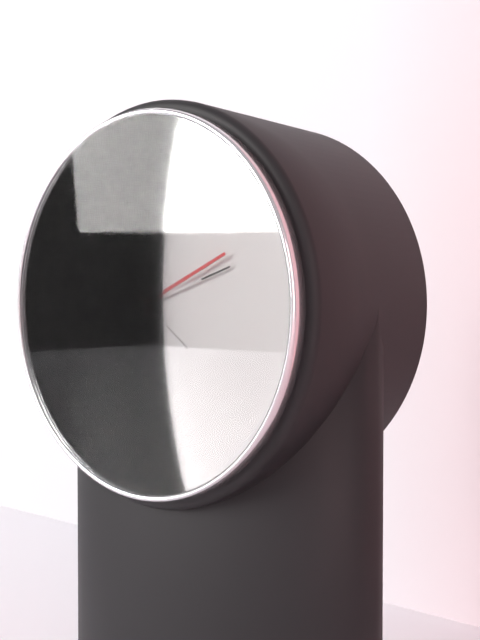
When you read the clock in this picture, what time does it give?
4:12:11
